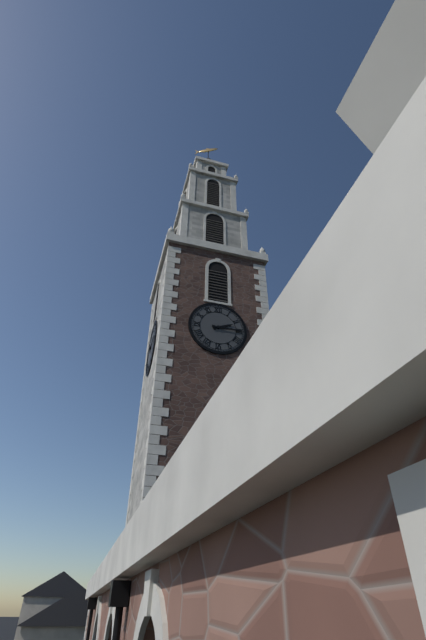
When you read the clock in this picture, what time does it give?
2:15
